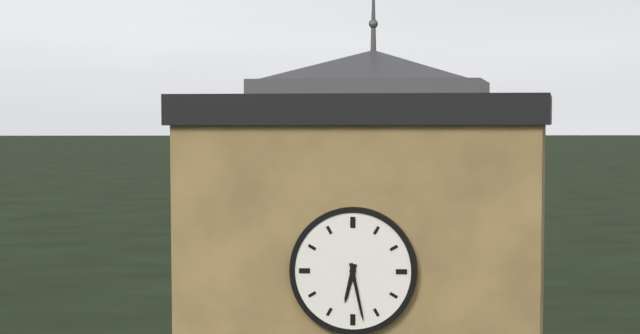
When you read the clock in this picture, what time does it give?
6:28
